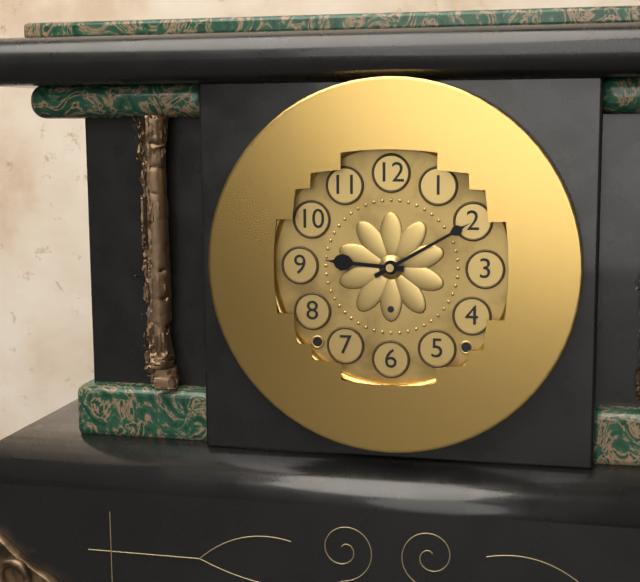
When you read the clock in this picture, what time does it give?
9:10
